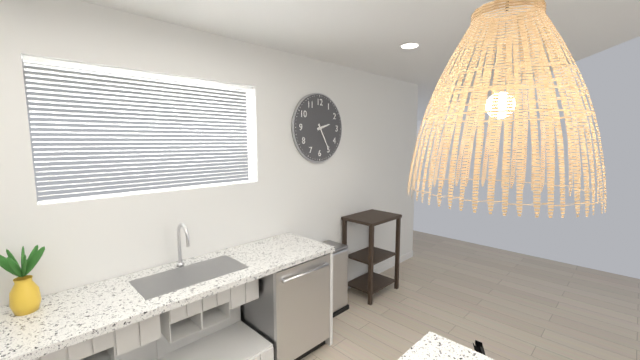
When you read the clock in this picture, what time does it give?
2:25
